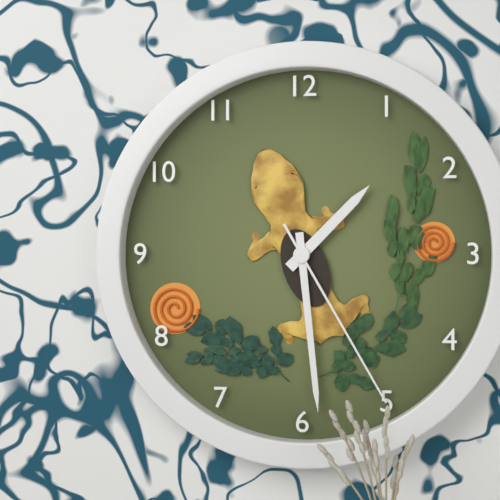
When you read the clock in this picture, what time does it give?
1:29:25
